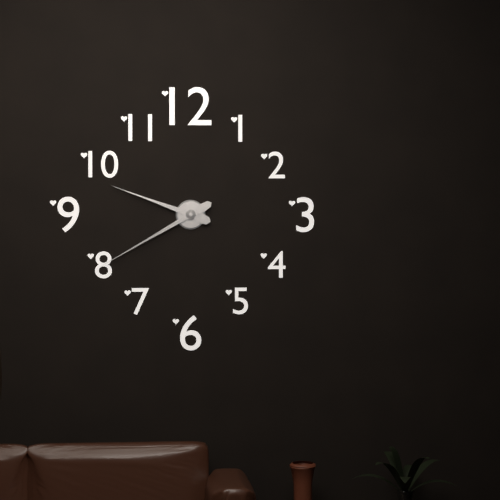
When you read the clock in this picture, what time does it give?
9:40
